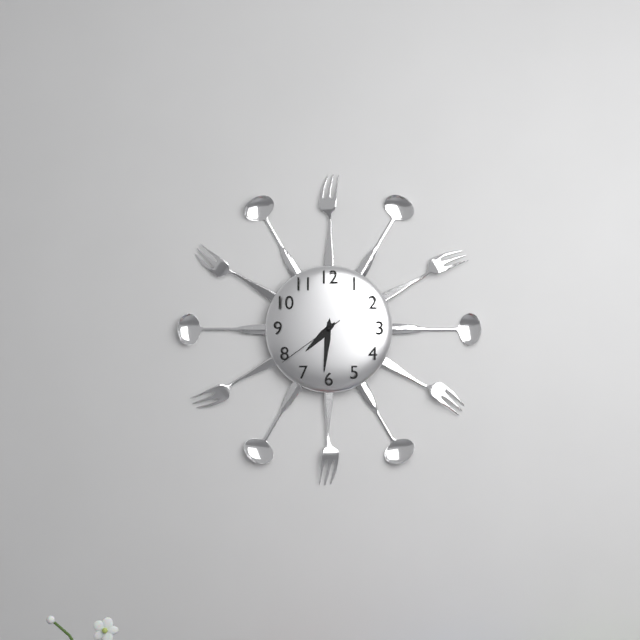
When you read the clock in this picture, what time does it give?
7:31:39
